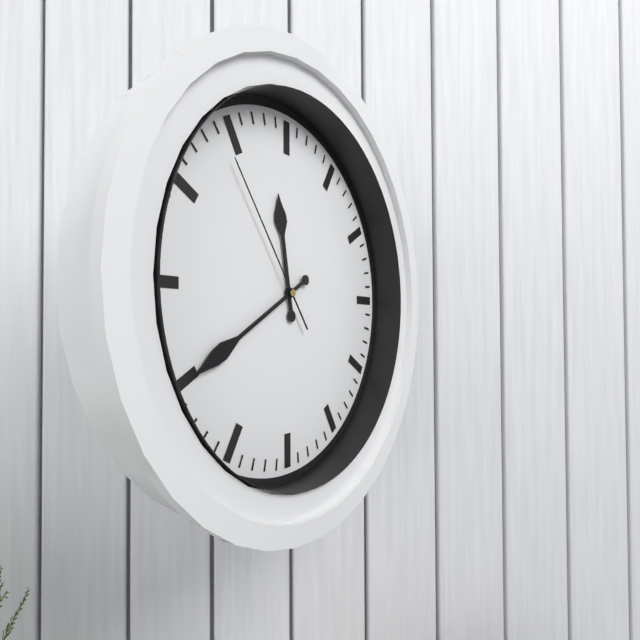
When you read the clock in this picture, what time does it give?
11:40:54
